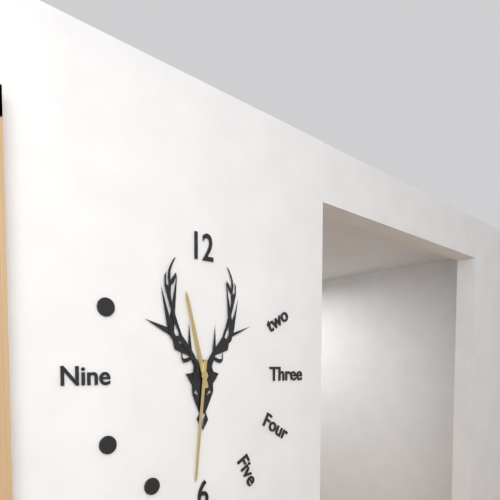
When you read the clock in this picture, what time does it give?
11:31
